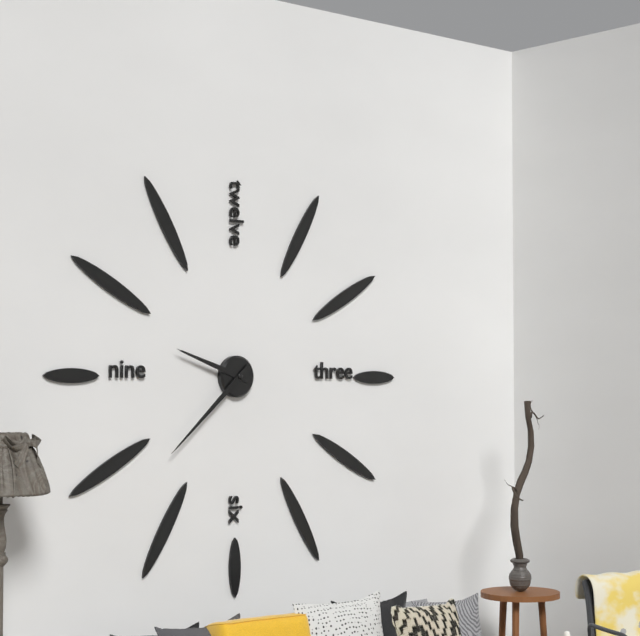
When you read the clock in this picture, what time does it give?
9:38
